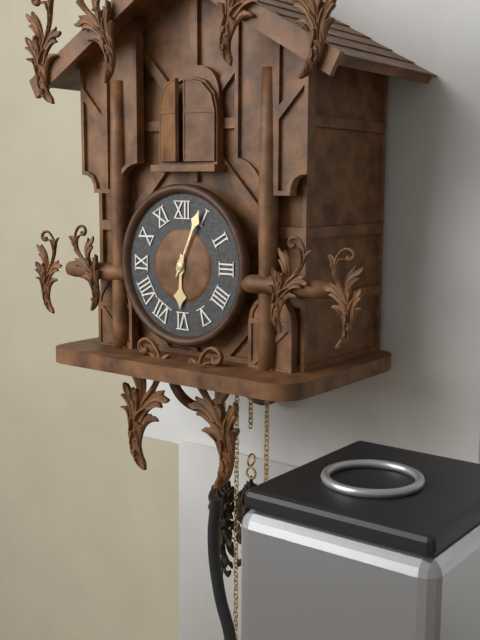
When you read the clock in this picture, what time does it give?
6:04
